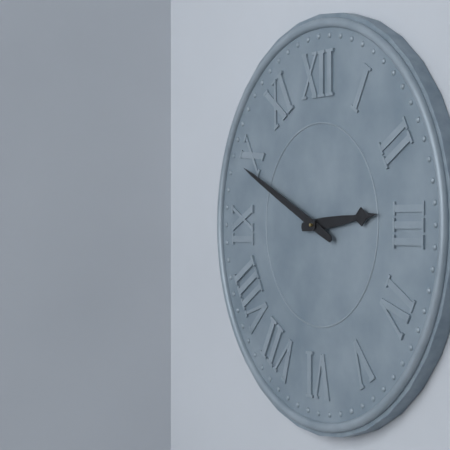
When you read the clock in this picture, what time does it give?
2:49
